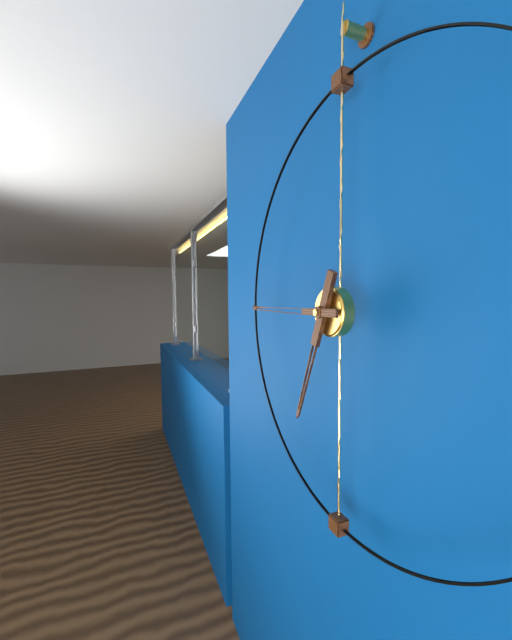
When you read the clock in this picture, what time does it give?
6:45
